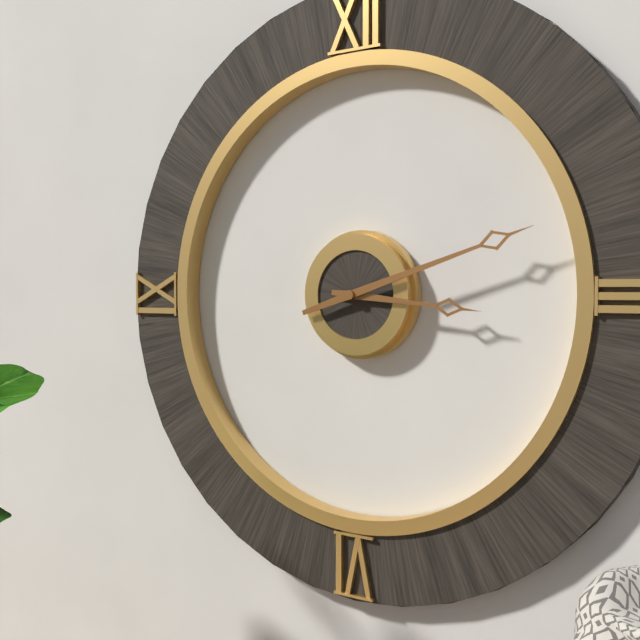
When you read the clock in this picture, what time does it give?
3:12
